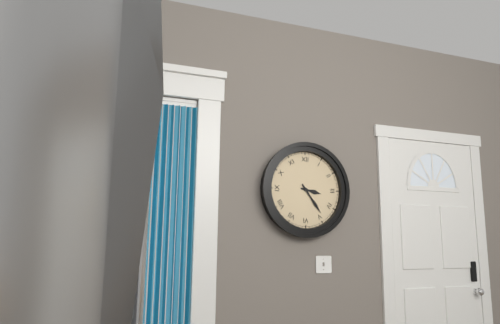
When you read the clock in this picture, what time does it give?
3:24
